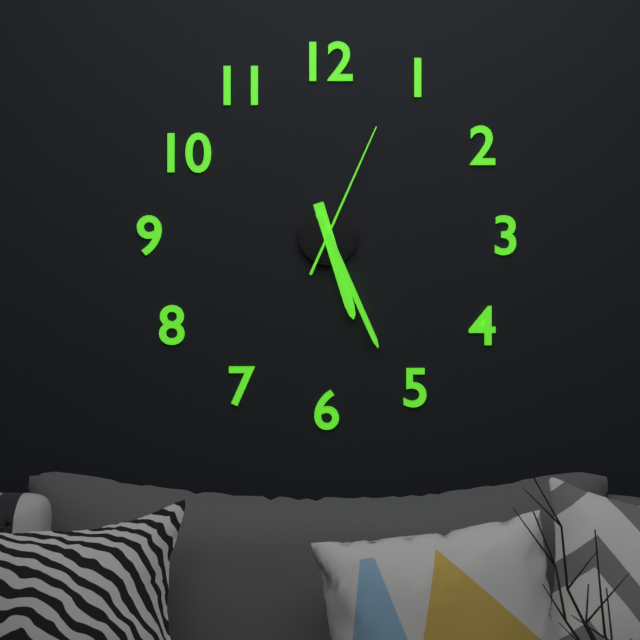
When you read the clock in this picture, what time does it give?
5:26:04
